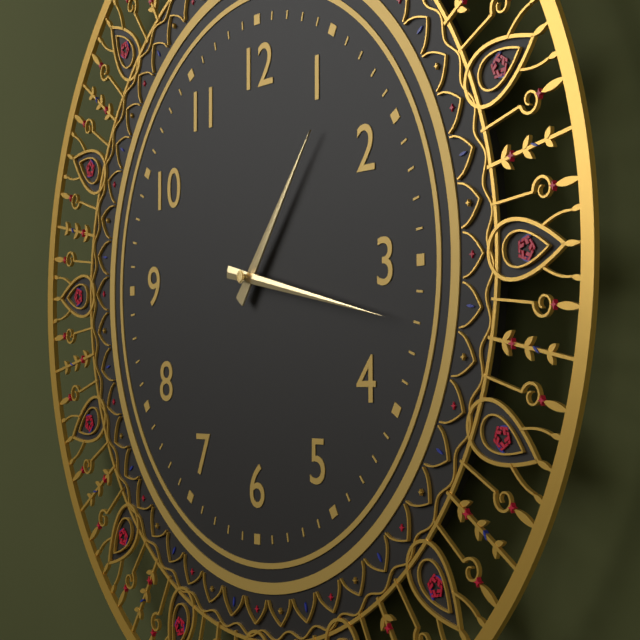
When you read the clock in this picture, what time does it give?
1:17
